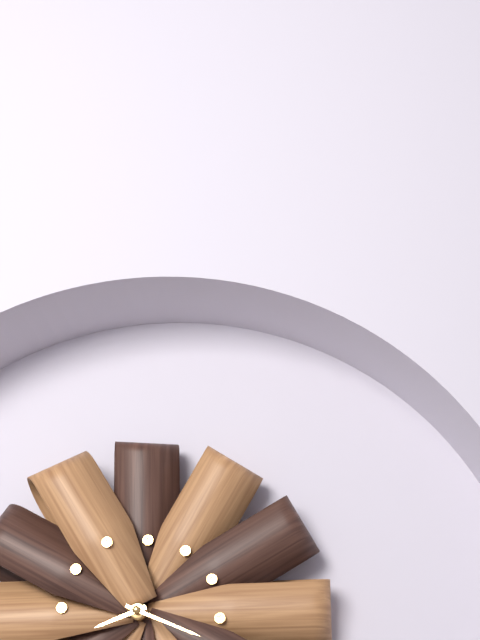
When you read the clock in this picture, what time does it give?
8:19
